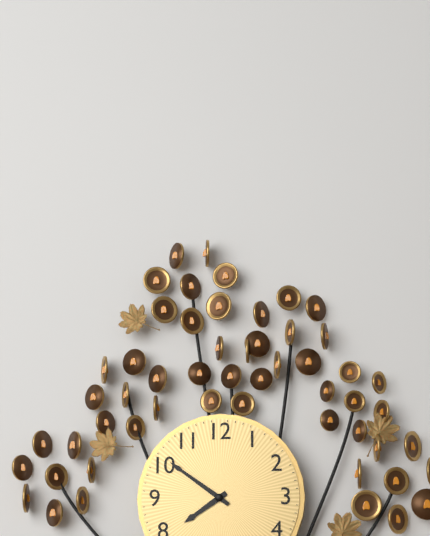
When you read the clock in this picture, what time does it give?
7:51
